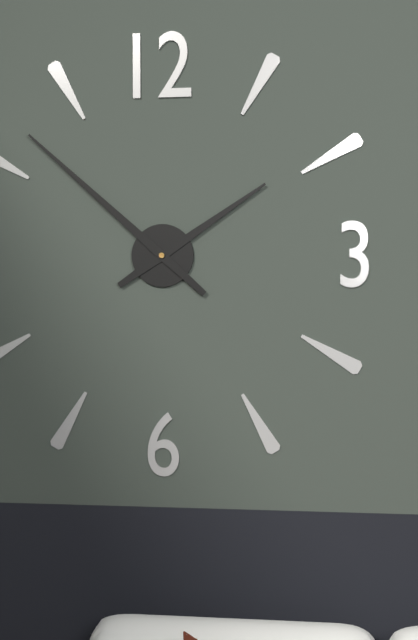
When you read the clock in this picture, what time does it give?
1:52
